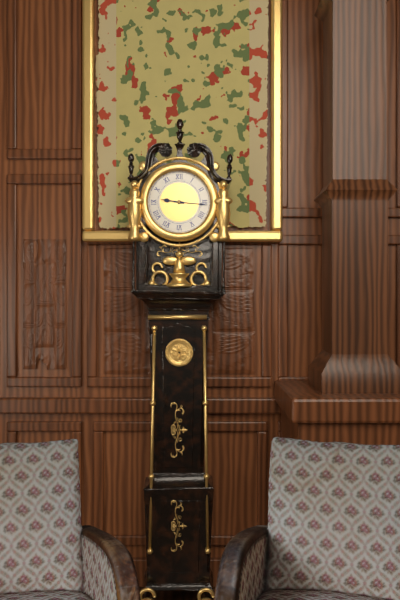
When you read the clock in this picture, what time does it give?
9:16
